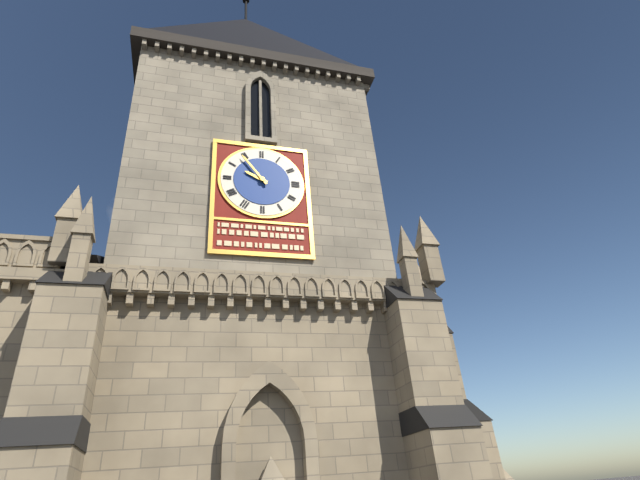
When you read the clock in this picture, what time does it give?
9:54
